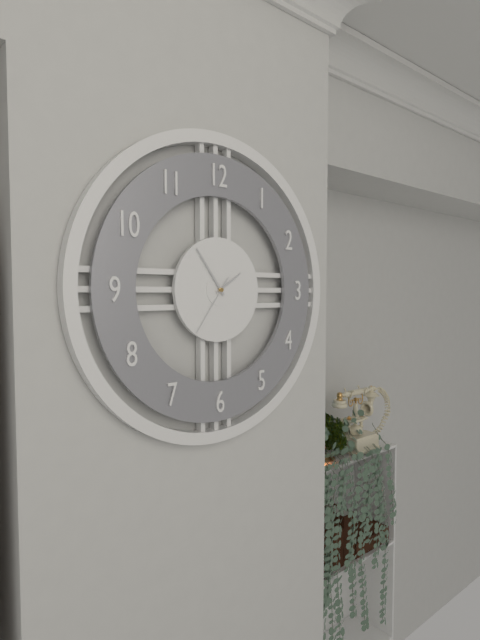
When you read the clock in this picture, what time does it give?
1:54:36
